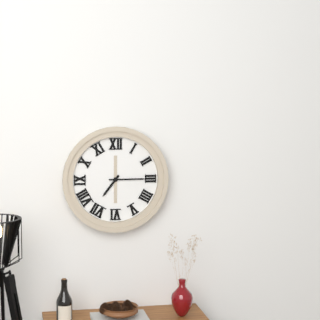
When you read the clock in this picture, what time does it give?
7:15
